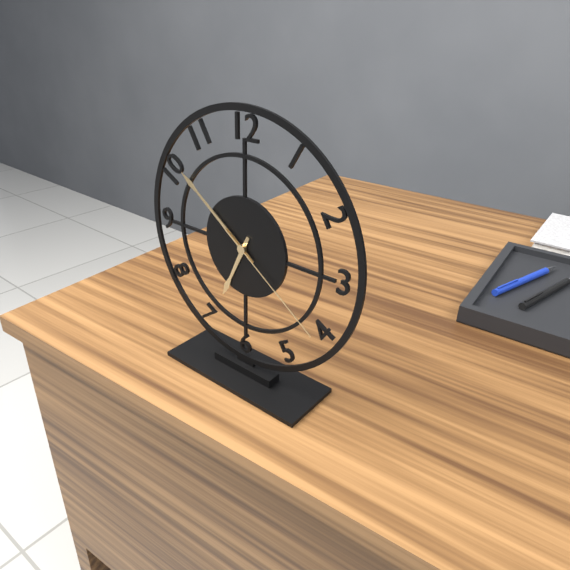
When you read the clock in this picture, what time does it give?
6:51:21
